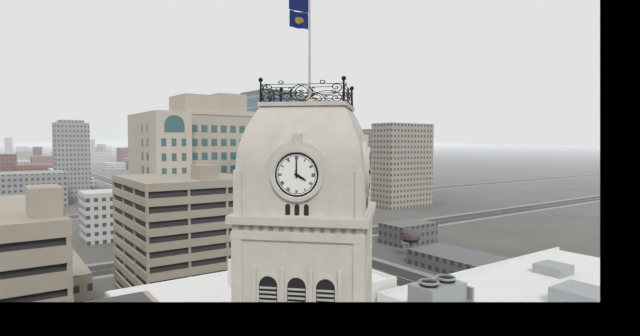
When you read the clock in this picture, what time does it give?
4:00
